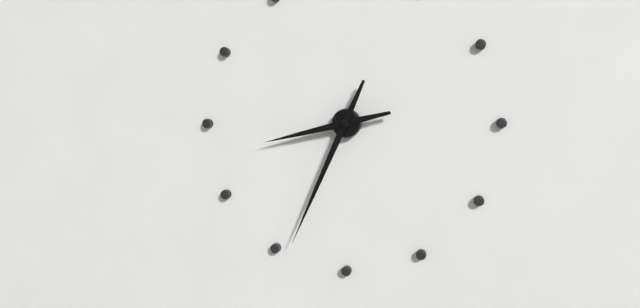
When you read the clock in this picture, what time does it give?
8:34
